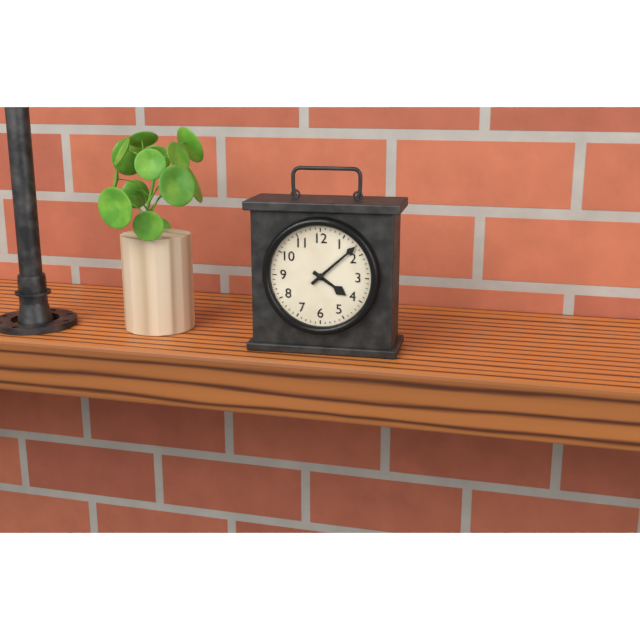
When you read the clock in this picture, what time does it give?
4:08
